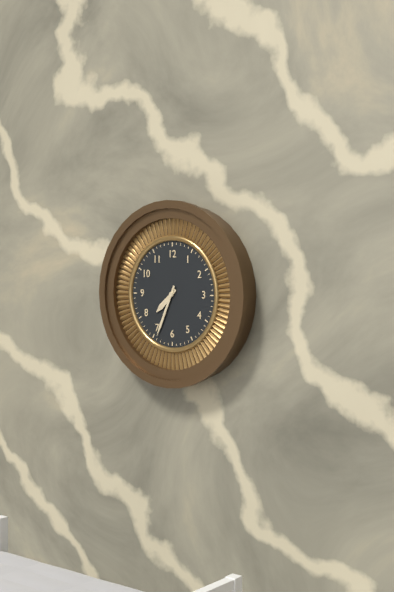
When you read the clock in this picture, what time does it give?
7:34
